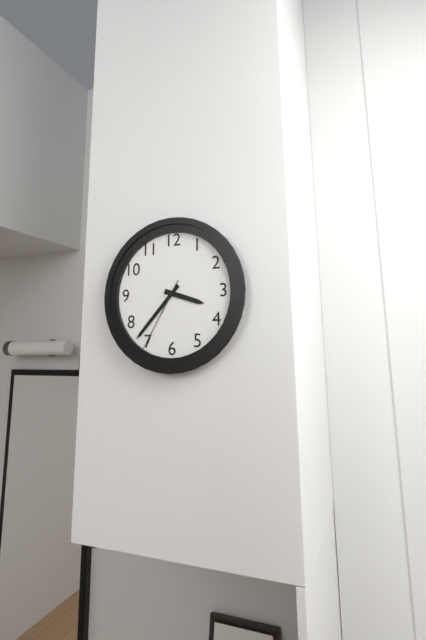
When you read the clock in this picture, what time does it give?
3:37:35
